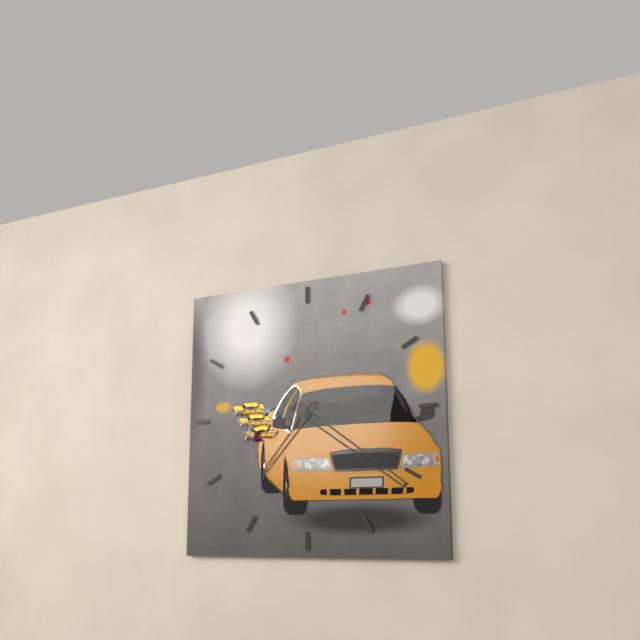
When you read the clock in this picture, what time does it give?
7:21
